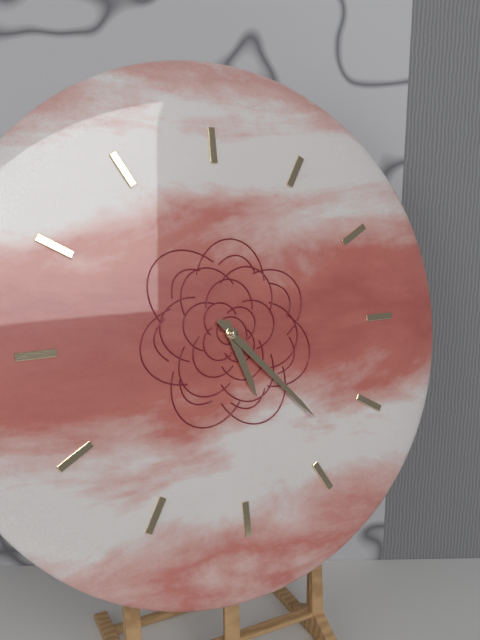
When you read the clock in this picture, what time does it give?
5:23
